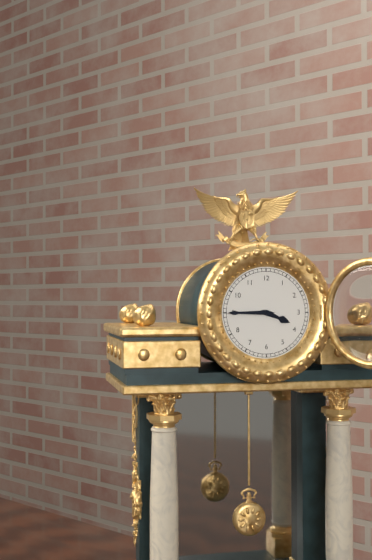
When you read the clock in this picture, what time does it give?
3:45
